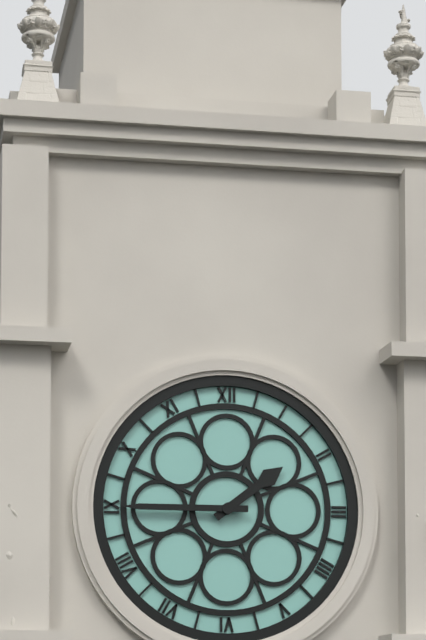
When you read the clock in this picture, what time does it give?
1:45
